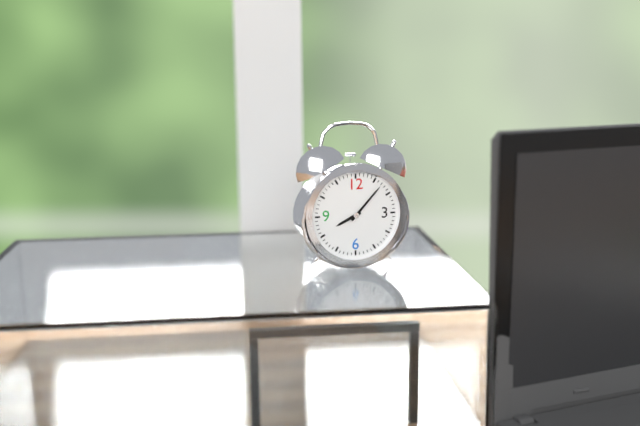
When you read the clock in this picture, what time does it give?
8:07
